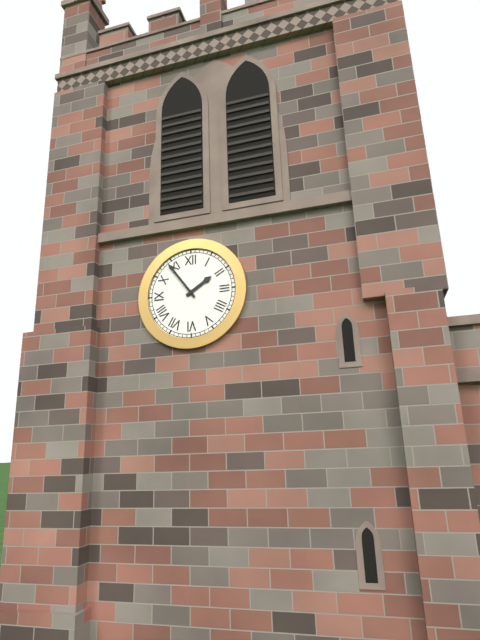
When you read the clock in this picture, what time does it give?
1:54
